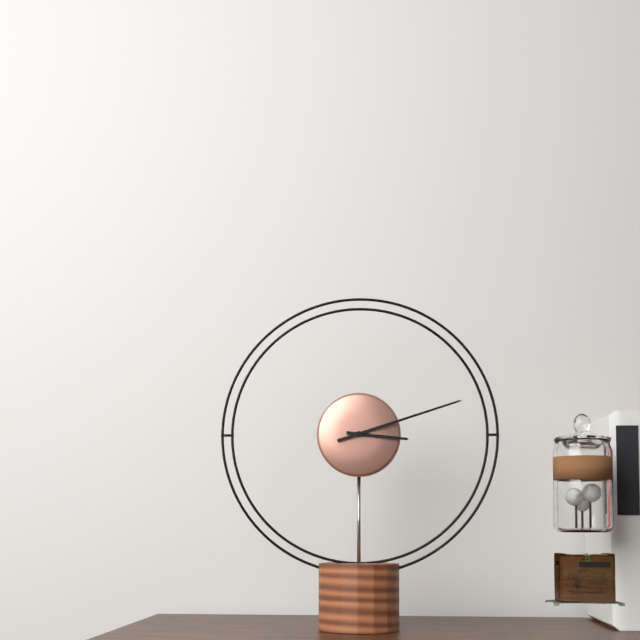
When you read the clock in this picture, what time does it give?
3:12
